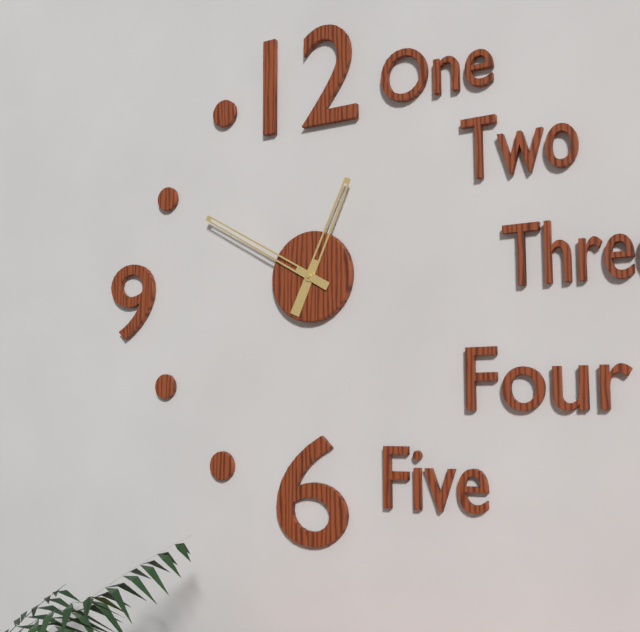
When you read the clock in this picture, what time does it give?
12:50
